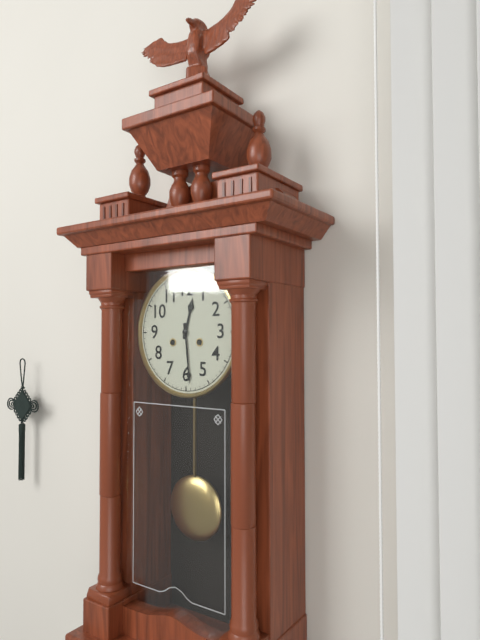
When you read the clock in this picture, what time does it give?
12:29
